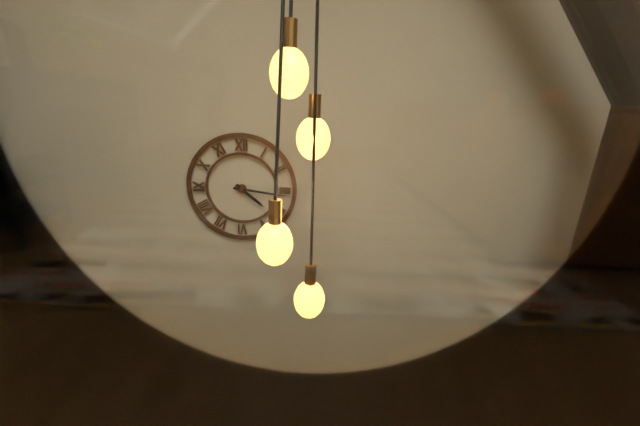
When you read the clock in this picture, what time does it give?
4:16
